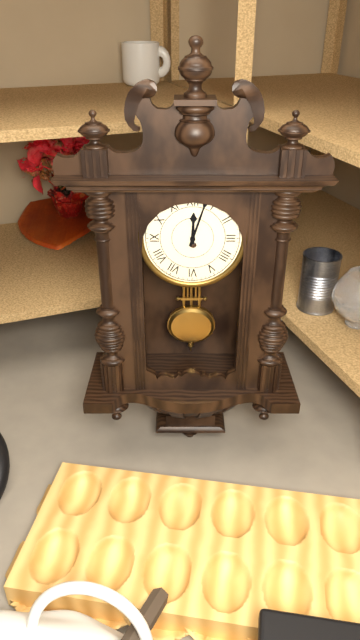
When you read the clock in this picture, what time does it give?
12:03
